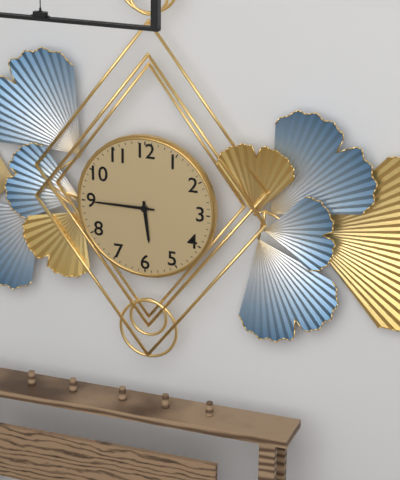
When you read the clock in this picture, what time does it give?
5:45
